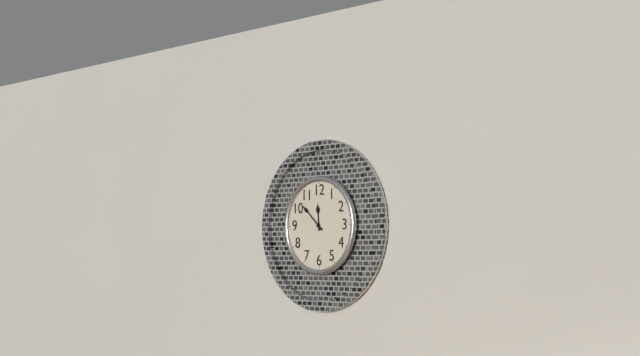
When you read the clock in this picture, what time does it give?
11:52
